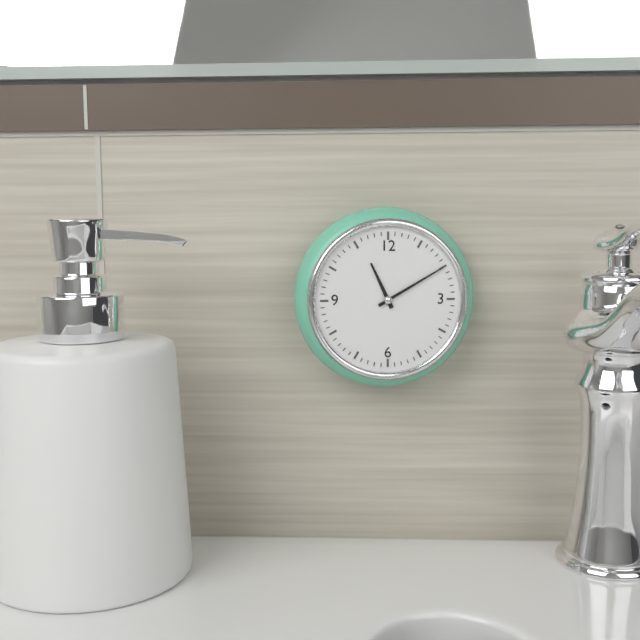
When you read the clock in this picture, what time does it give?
11:10
